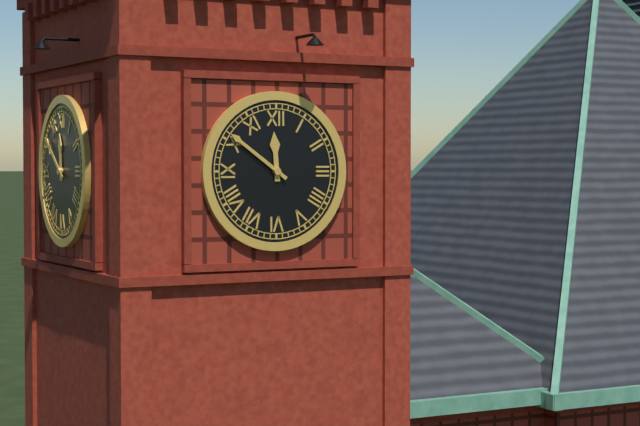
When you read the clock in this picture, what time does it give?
11:51
